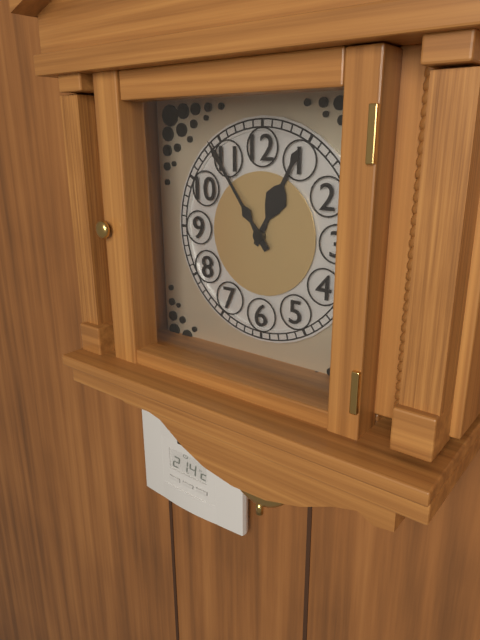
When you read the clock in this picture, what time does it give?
12:54
